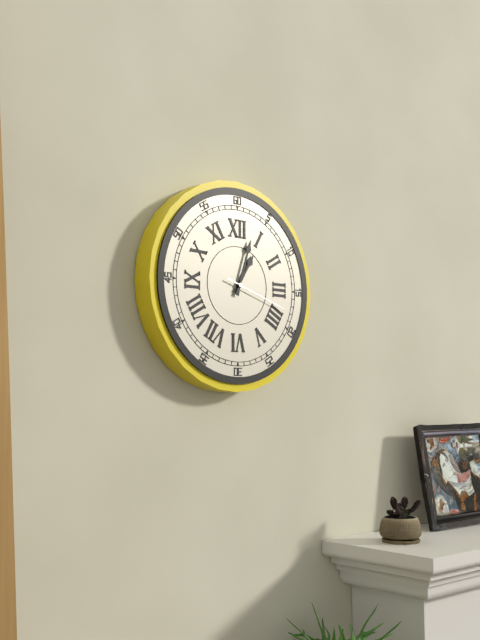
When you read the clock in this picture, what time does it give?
1:03:18
